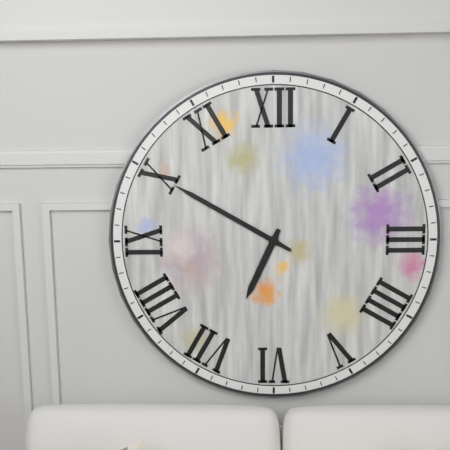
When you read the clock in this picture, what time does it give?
6:50
